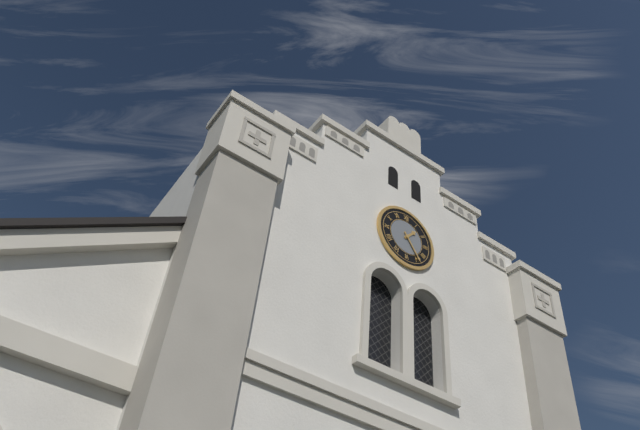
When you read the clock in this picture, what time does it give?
1:24
